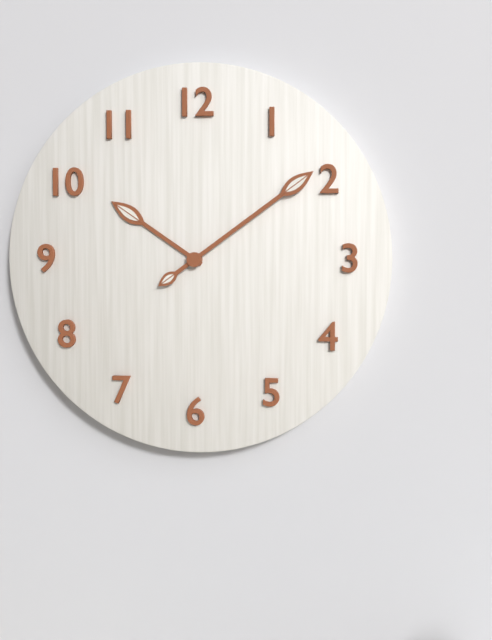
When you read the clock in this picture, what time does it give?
10:09
